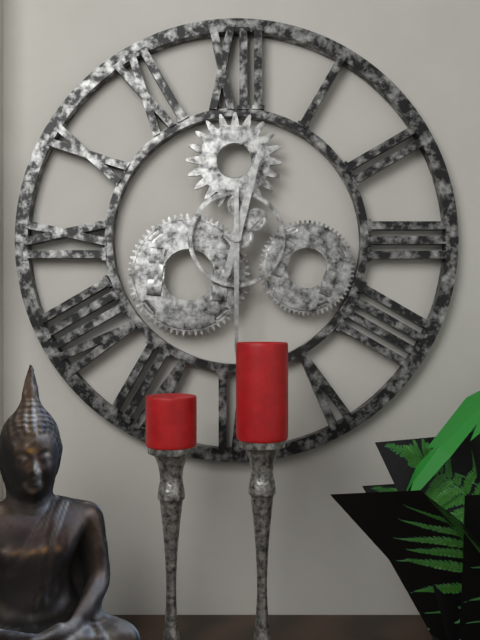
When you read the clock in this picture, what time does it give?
12:30
